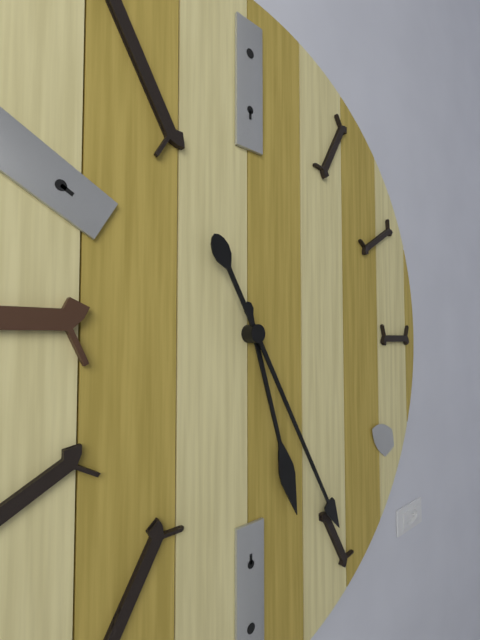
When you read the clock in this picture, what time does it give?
5:25
